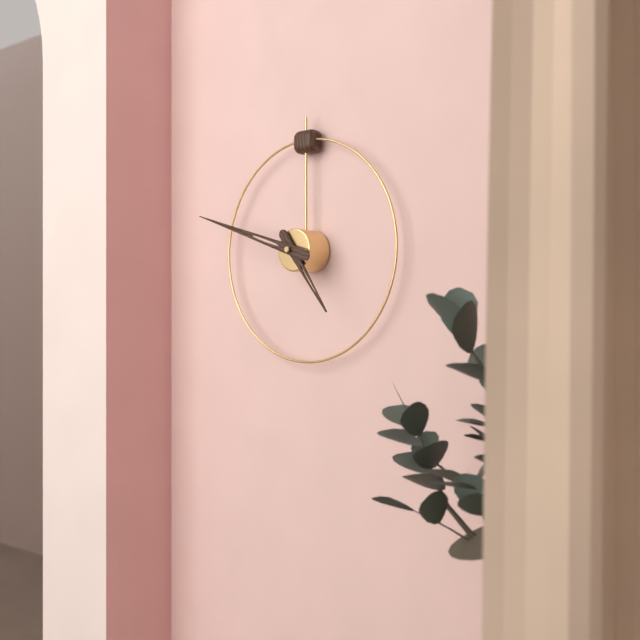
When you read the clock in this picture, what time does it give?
4:48
